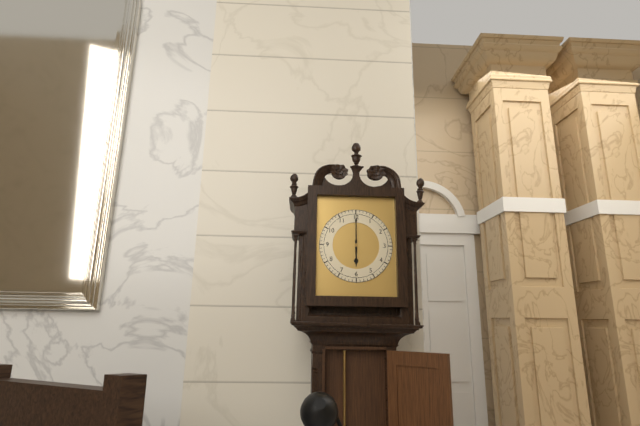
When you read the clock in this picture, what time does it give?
6:00
